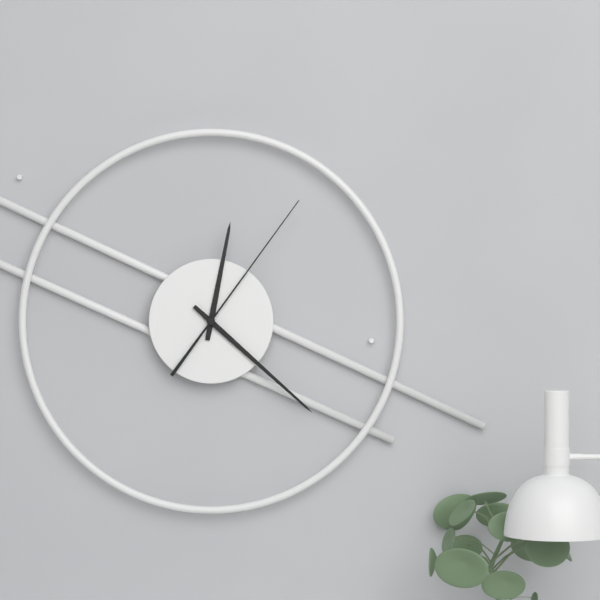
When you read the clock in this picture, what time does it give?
12:22:06
